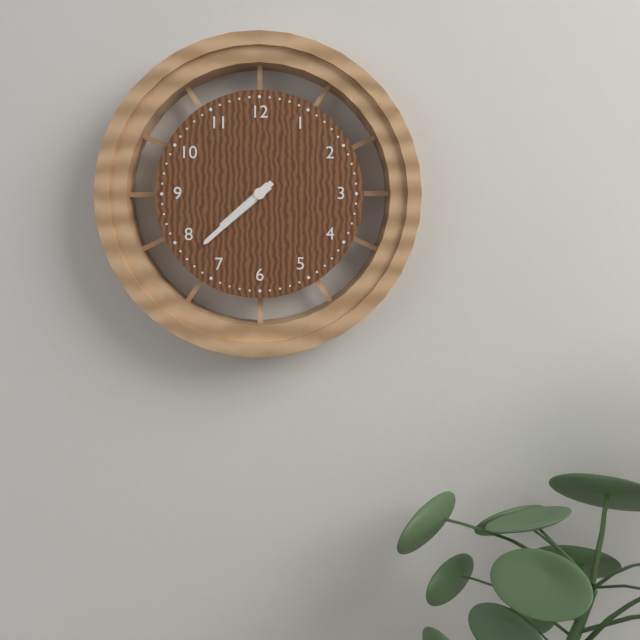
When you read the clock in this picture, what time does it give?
7:38
